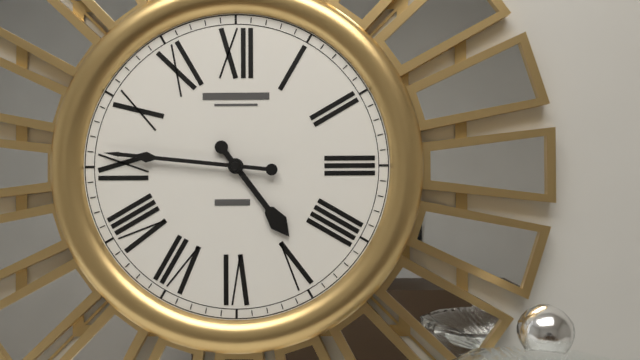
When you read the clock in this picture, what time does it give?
4:46
